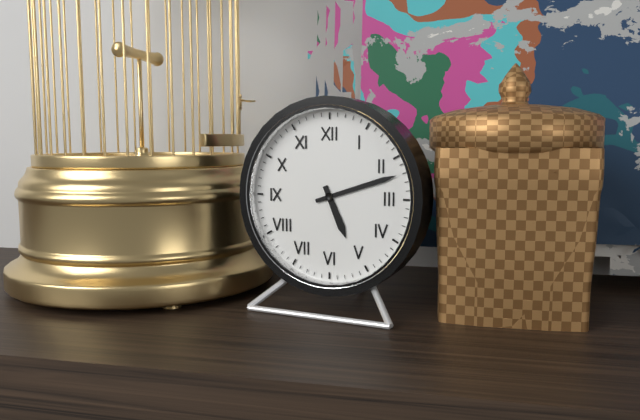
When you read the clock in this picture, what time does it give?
5:12
